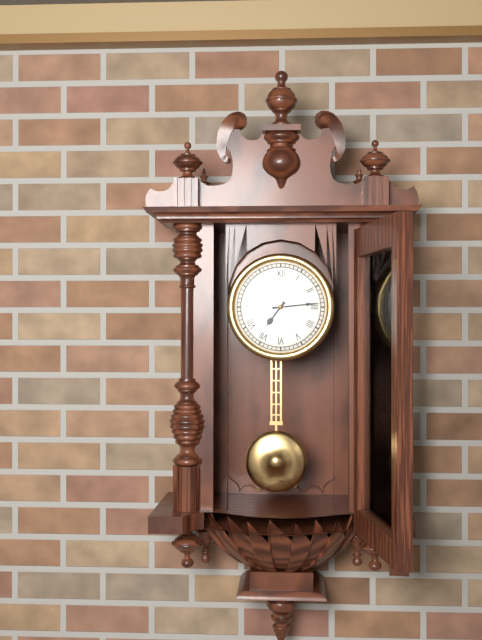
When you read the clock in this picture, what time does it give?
7:14
